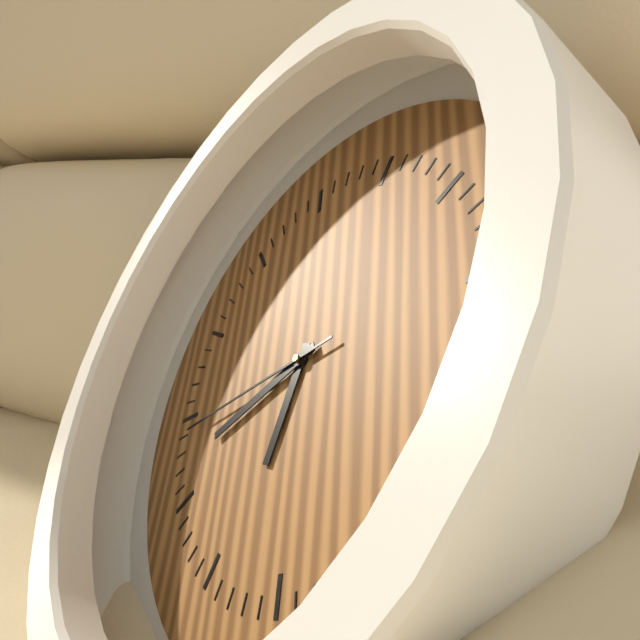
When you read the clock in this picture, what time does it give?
6:42:44
